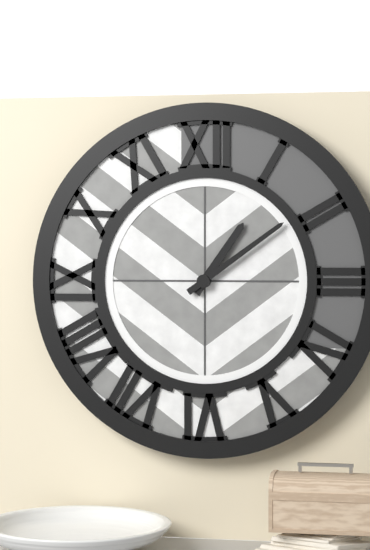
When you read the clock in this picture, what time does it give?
1:09
